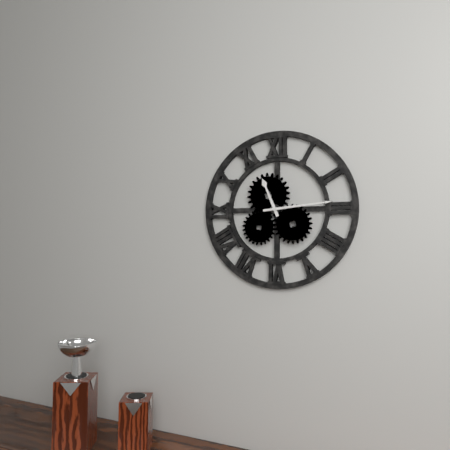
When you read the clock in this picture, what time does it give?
11:14
